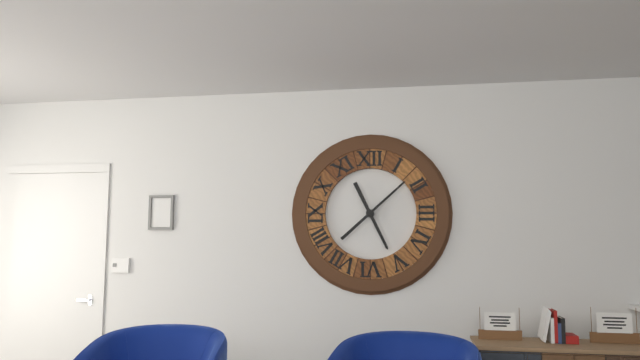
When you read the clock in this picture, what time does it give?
5:08
